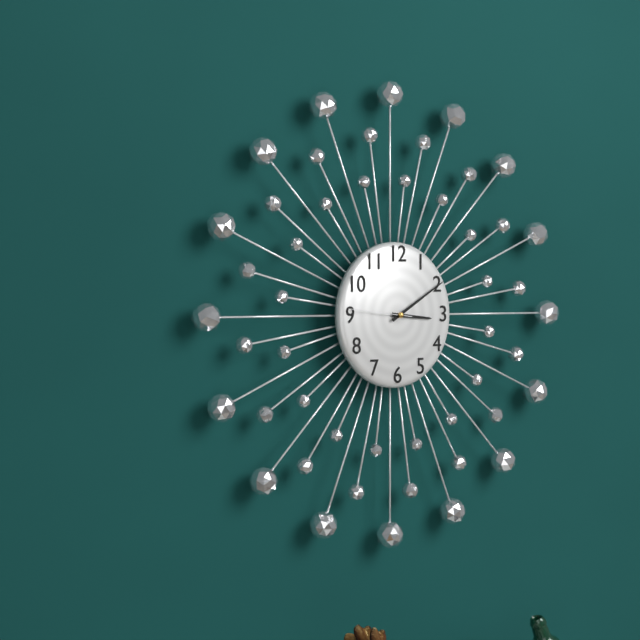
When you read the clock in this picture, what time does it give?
3:10:46
